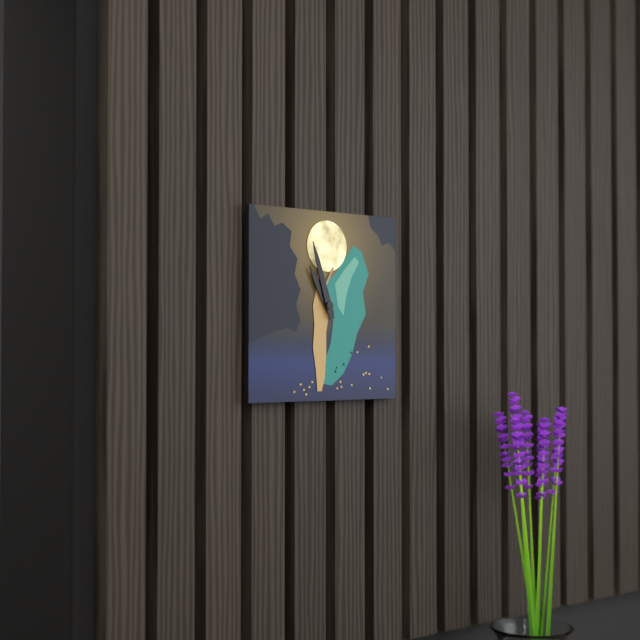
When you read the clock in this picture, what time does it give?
10:57
